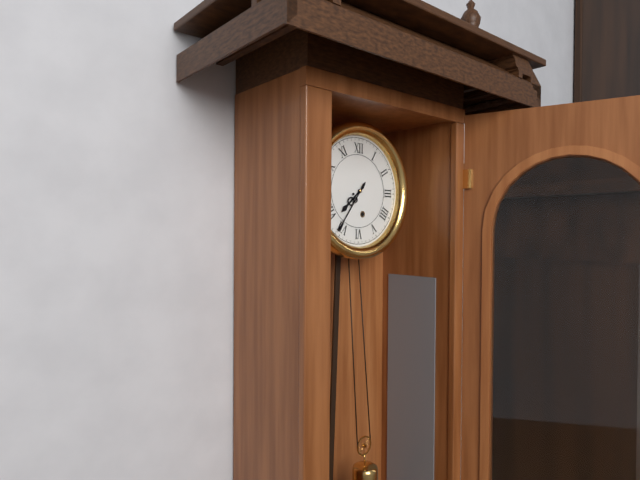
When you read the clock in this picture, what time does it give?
7:36
